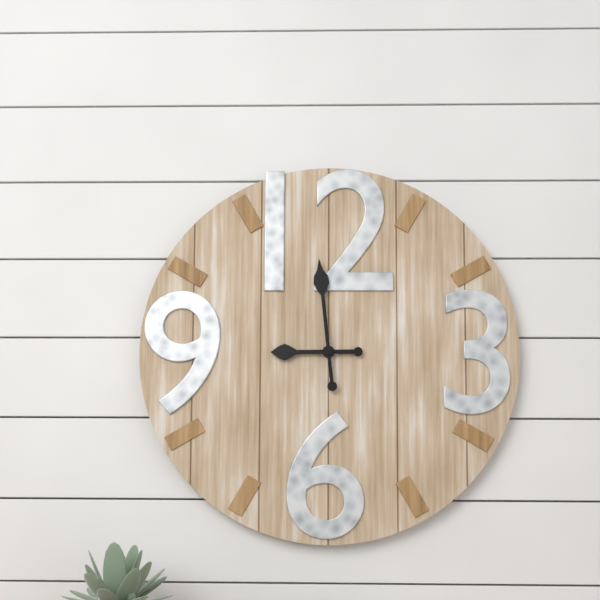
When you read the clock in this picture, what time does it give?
8:59
